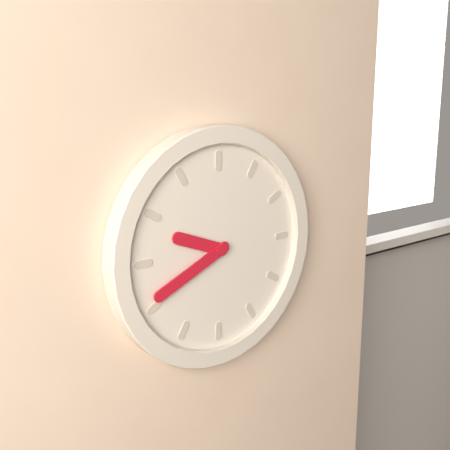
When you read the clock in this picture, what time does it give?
9:41
